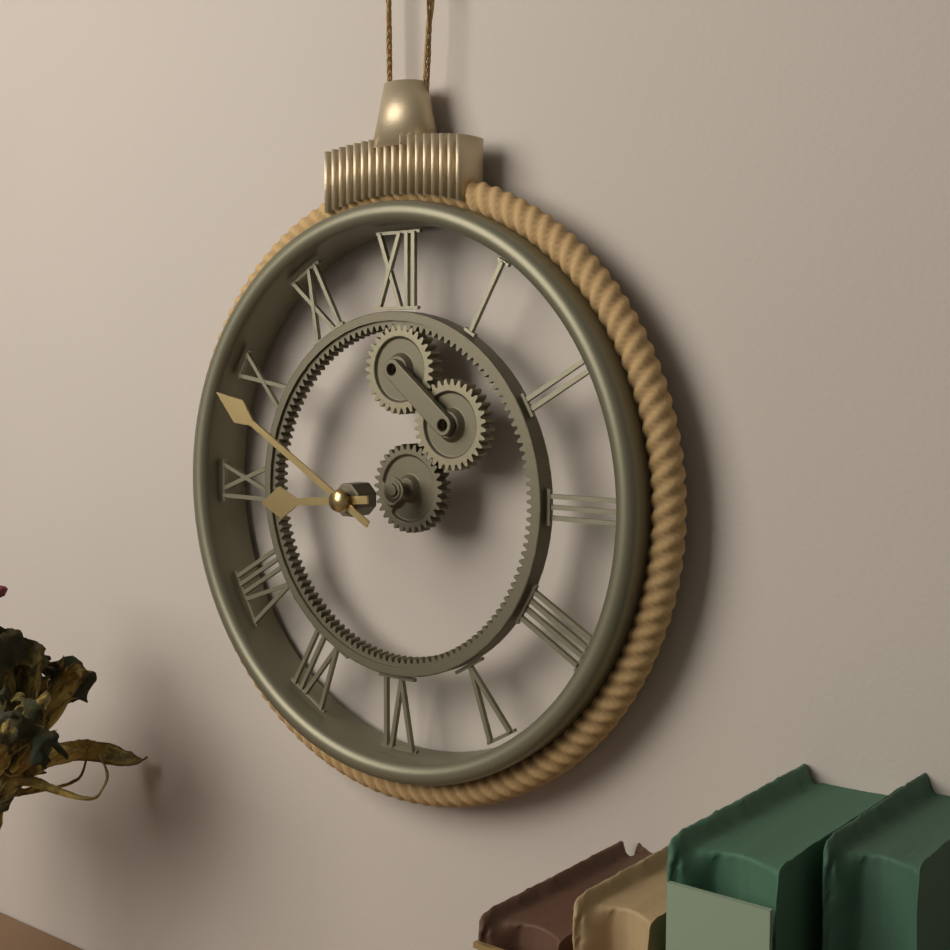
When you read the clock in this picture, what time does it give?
8:50
